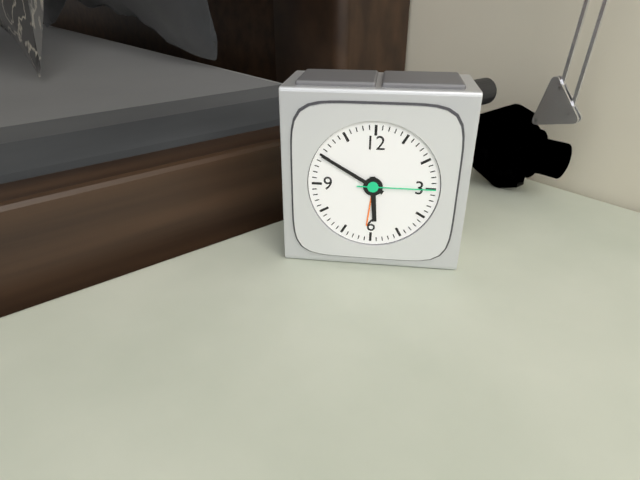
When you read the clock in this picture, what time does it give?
5:50:15
